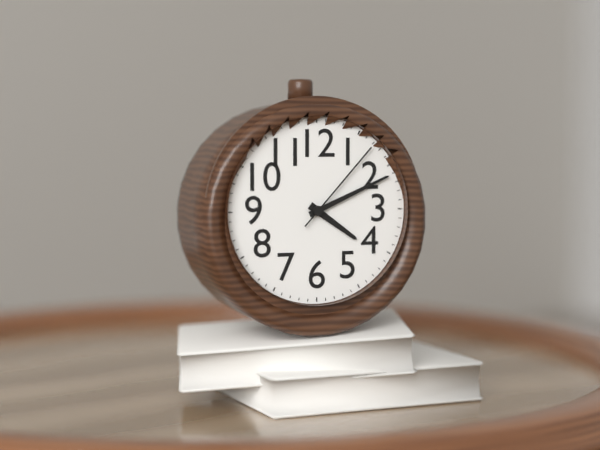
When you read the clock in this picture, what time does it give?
4:11:07
